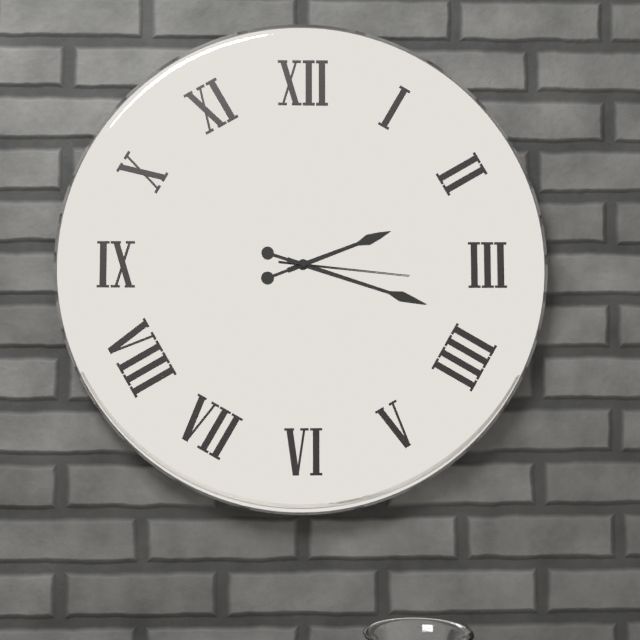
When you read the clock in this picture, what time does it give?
2:18:16
